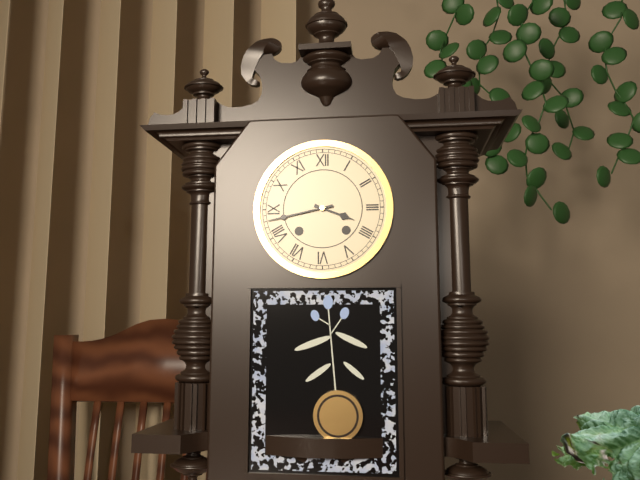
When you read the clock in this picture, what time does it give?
3:43
